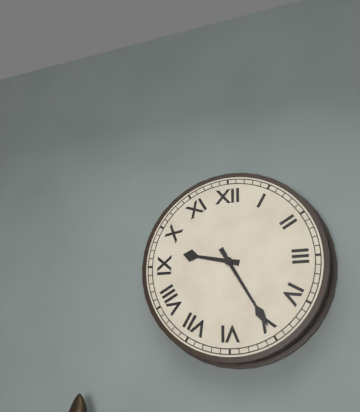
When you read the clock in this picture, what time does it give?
9:25
